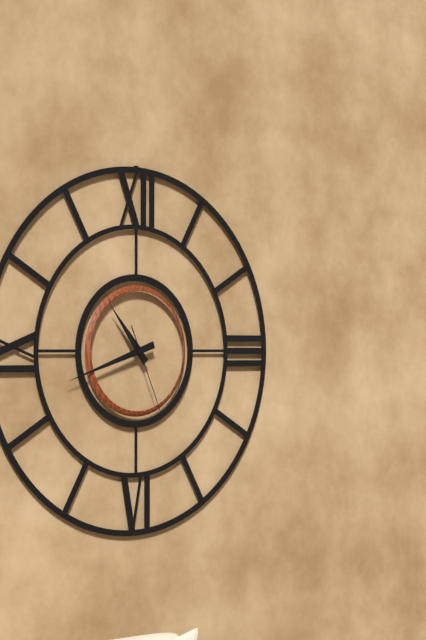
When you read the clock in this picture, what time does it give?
10:42:26
